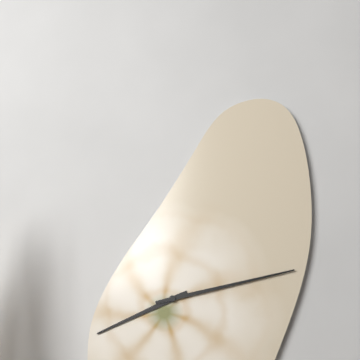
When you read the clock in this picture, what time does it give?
8:13
